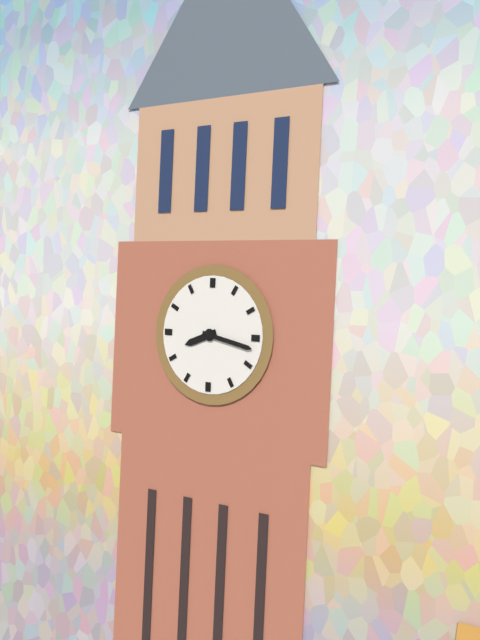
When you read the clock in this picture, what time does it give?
8:17
